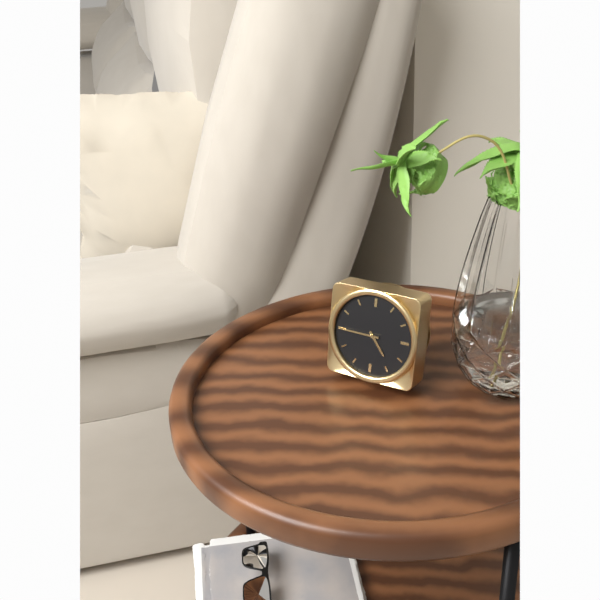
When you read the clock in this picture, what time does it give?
4:45
